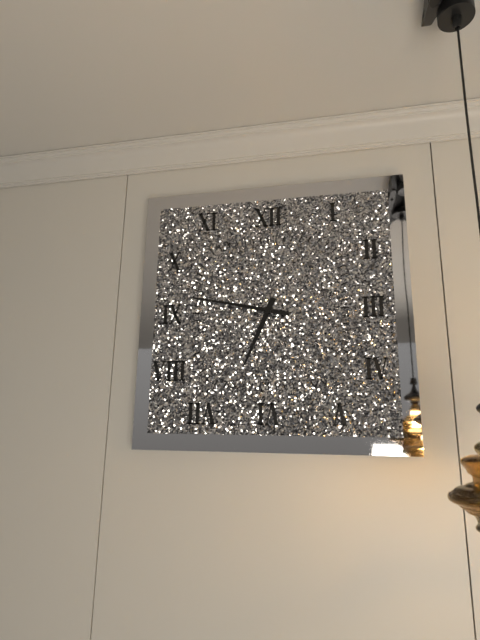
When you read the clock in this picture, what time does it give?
6:47
